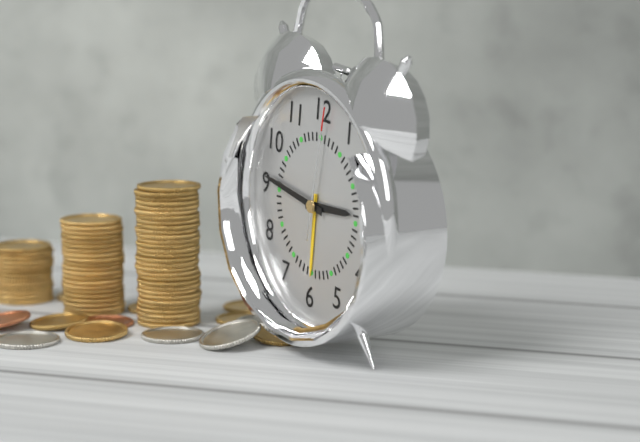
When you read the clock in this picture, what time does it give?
2:46:01
